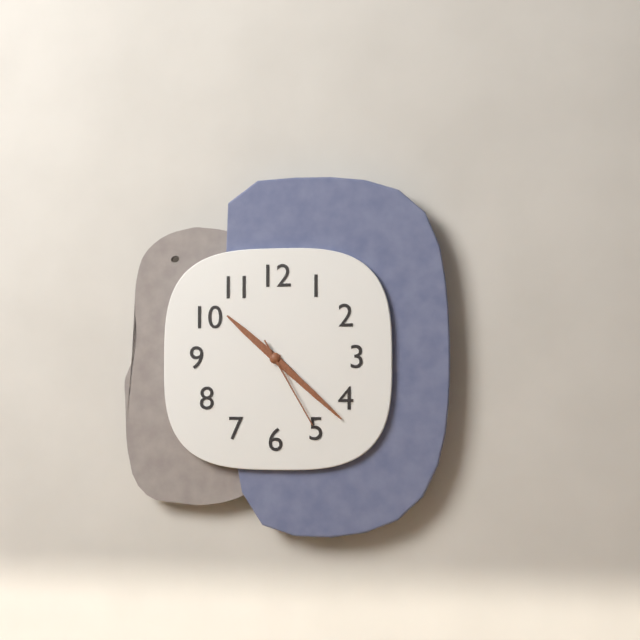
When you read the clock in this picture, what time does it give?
10:22:25
